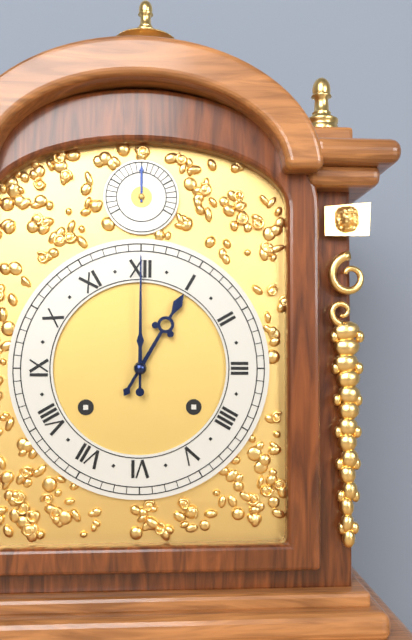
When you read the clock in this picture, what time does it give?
1:00
